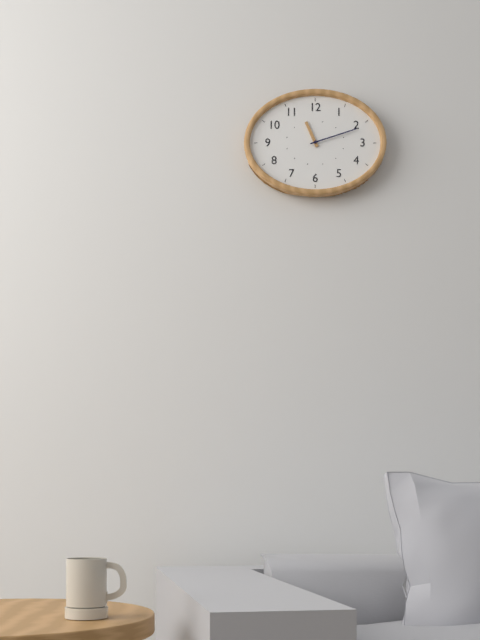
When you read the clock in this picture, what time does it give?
11:12
